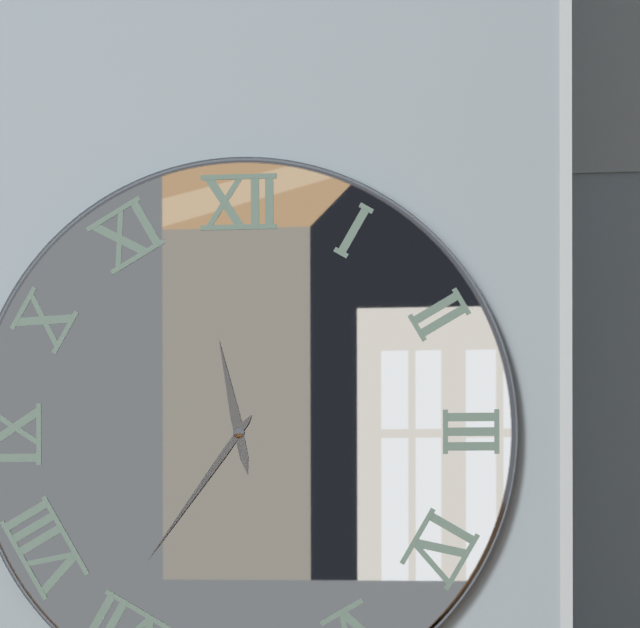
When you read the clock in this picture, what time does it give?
11:36
